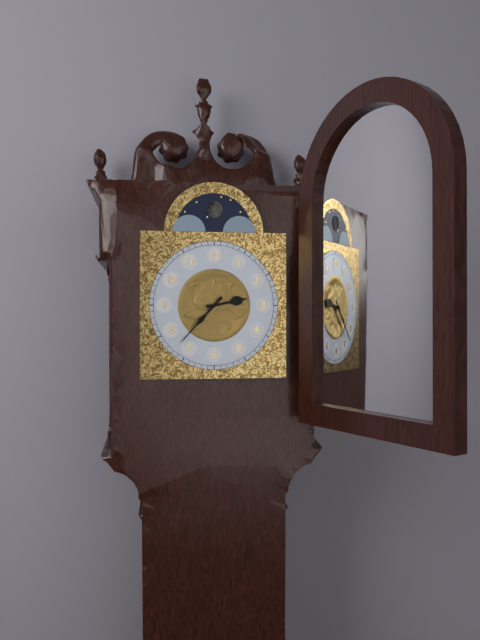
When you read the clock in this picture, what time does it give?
2:37
